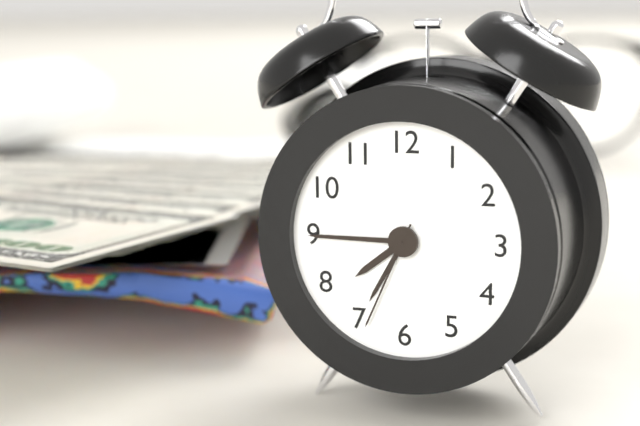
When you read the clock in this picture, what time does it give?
7:45:34
